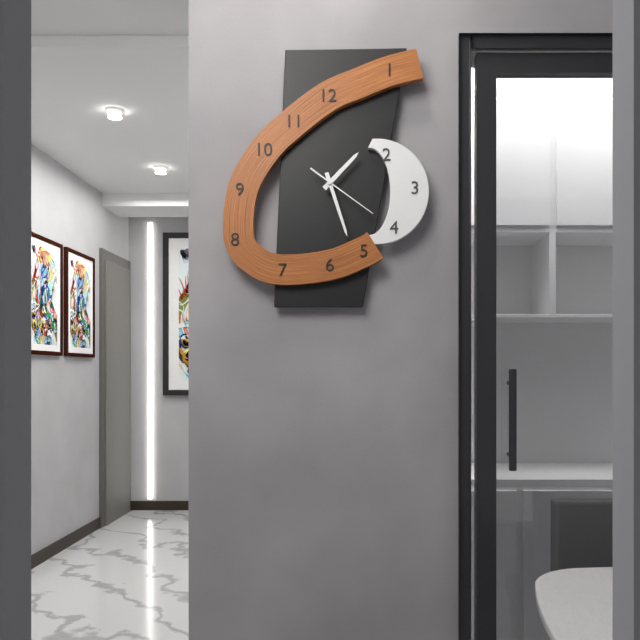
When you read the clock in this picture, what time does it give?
1:27:21
